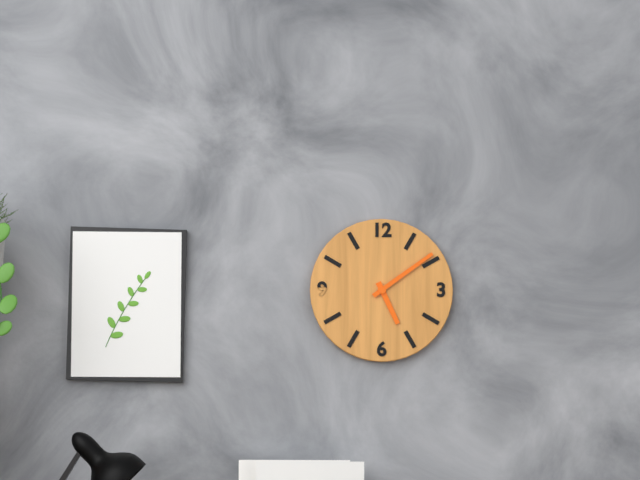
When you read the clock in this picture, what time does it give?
5:09
